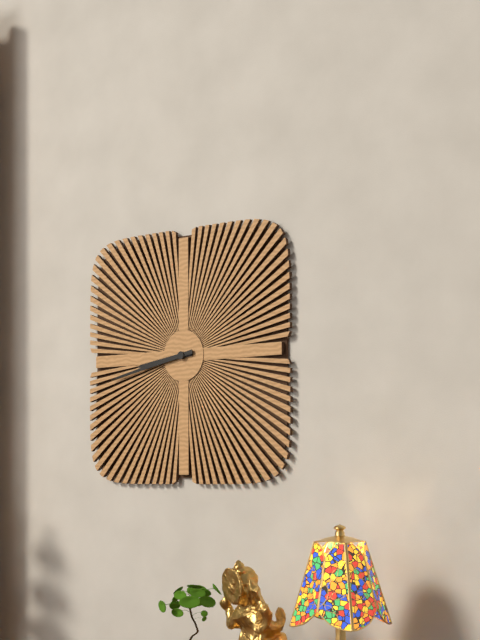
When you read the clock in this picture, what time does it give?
8:43
